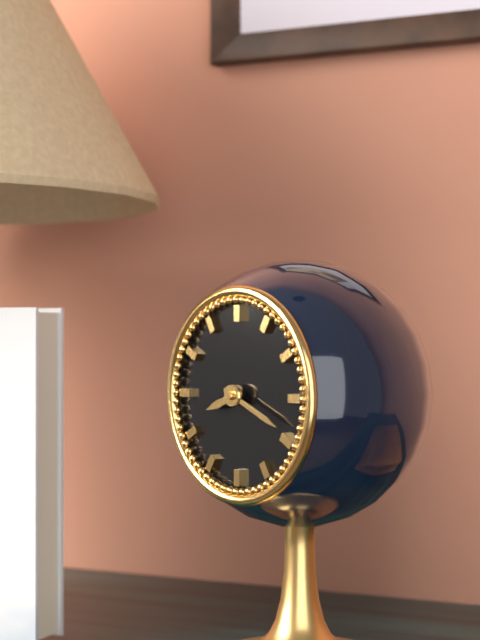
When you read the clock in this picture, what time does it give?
8:19
